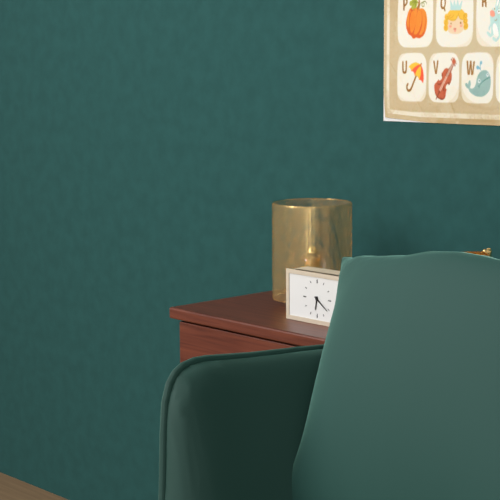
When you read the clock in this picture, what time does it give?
6:21
